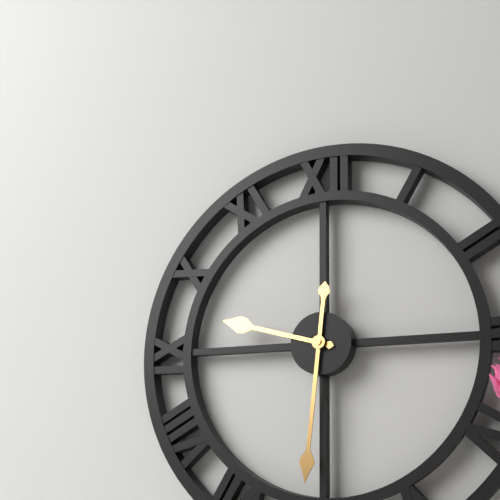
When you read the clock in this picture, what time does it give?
9:31
